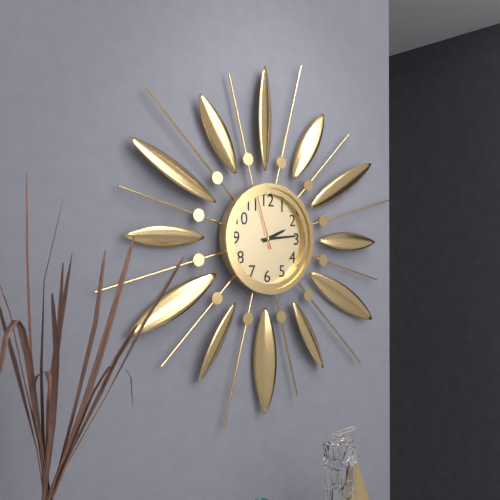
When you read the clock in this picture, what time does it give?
2:14:57
